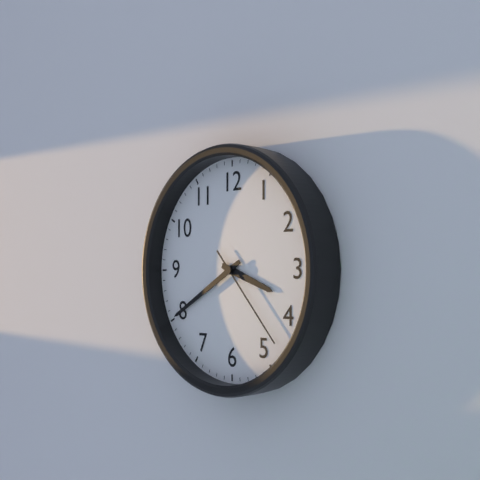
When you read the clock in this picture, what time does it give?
3:40:23
